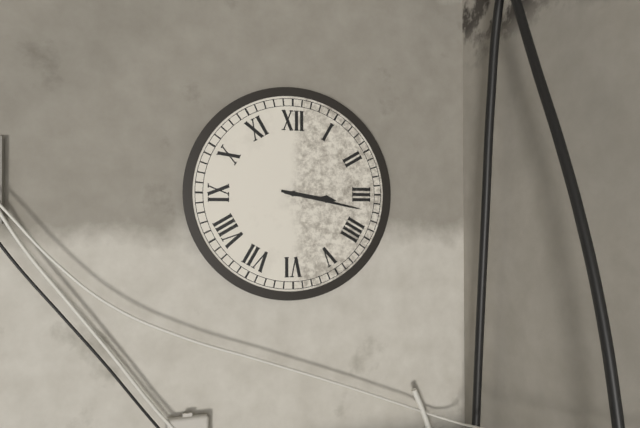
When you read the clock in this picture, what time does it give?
3:17
